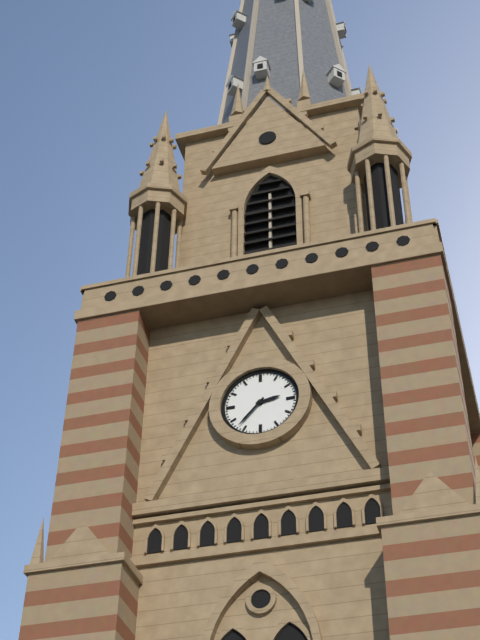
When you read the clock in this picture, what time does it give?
2:37
